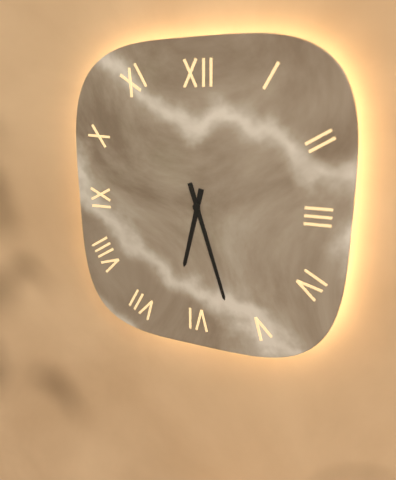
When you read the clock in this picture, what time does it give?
6:27
